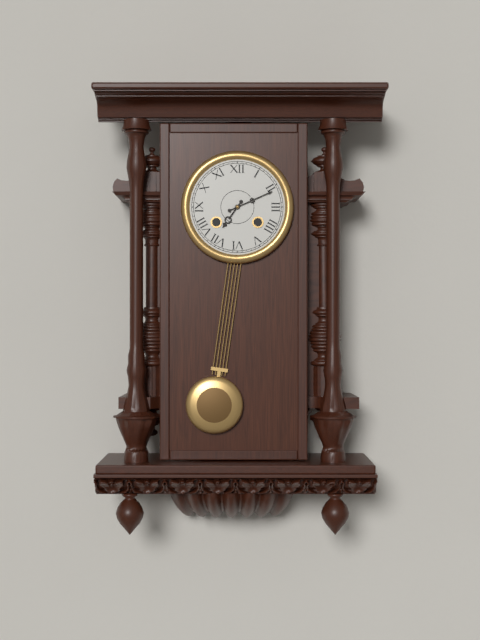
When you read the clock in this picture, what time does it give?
7:11
